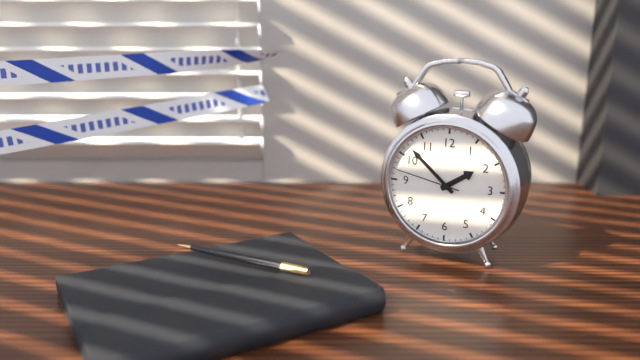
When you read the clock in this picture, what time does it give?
1:52:47
